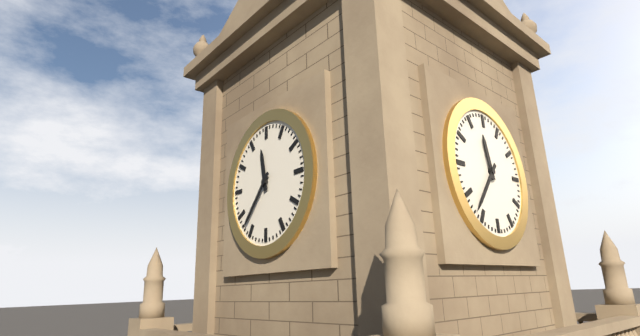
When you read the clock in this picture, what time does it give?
11:37
